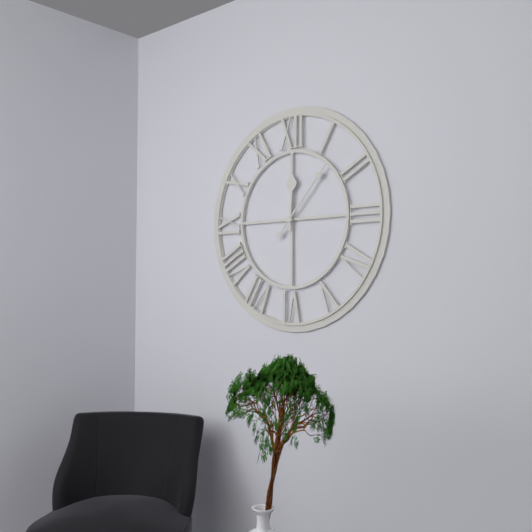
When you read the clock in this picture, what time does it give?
12:07
